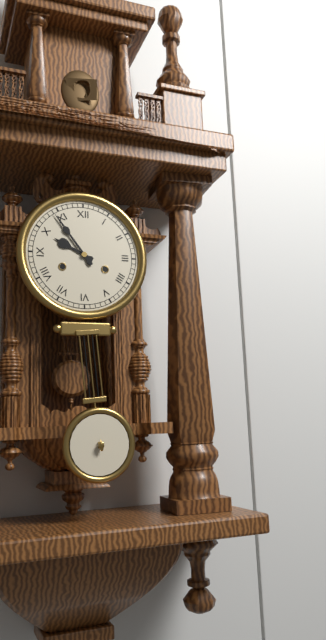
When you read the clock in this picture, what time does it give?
9:54
